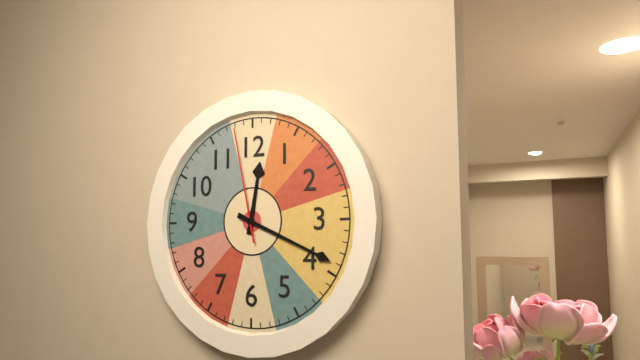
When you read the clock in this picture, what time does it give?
12:19:58
